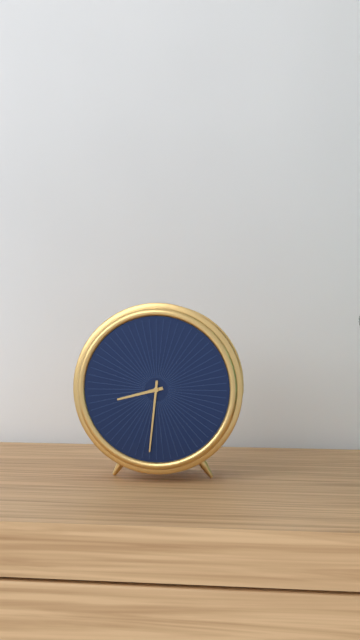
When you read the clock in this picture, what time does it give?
8:31
